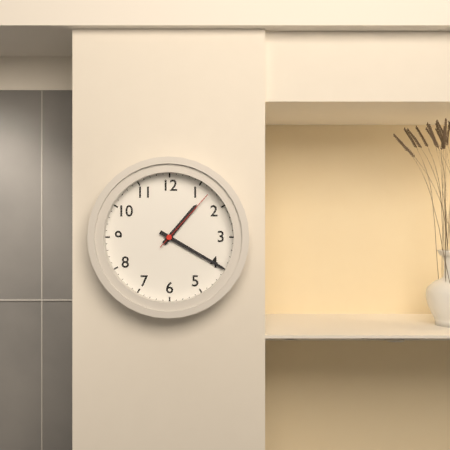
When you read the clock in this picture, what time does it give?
1:20:07
